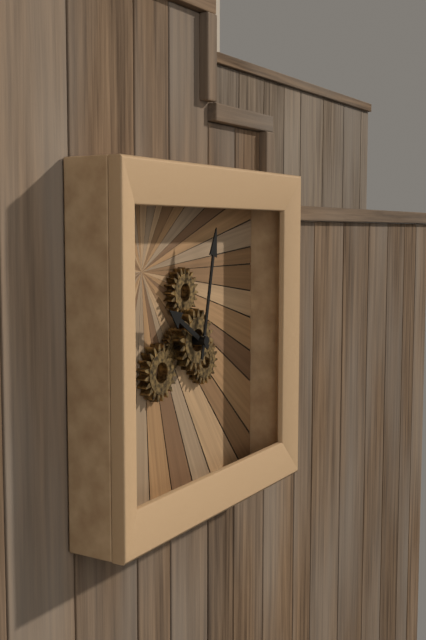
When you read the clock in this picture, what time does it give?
10:02
